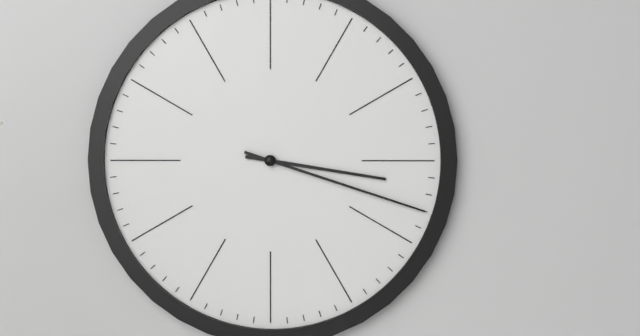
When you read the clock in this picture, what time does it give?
3:18
